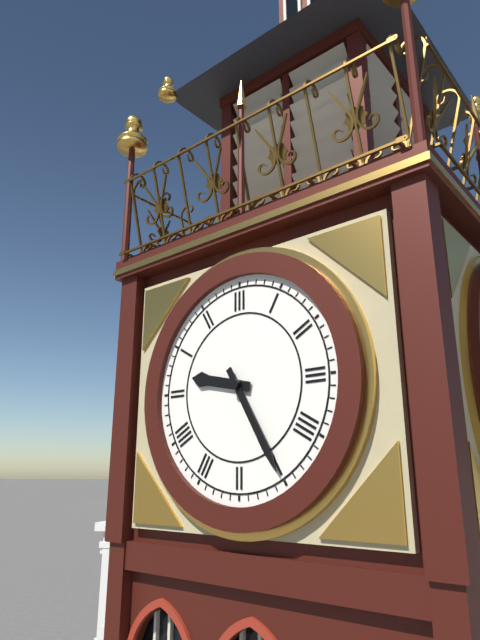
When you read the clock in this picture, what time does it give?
9:25
